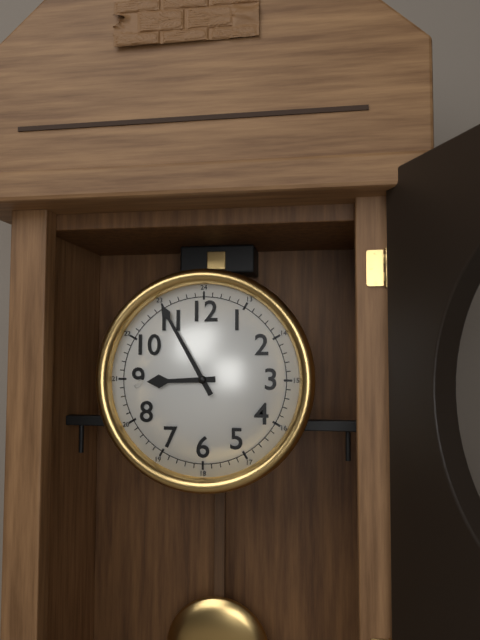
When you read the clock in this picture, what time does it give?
8:55
